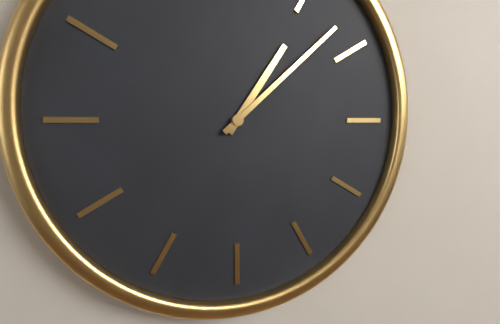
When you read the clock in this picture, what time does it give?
1:08
